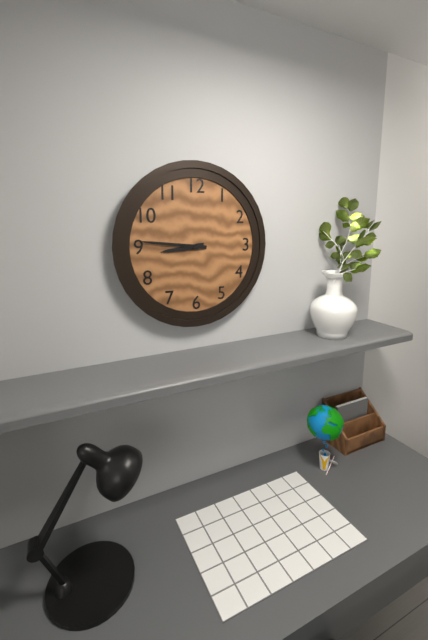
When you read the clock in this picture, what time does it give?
8:46
